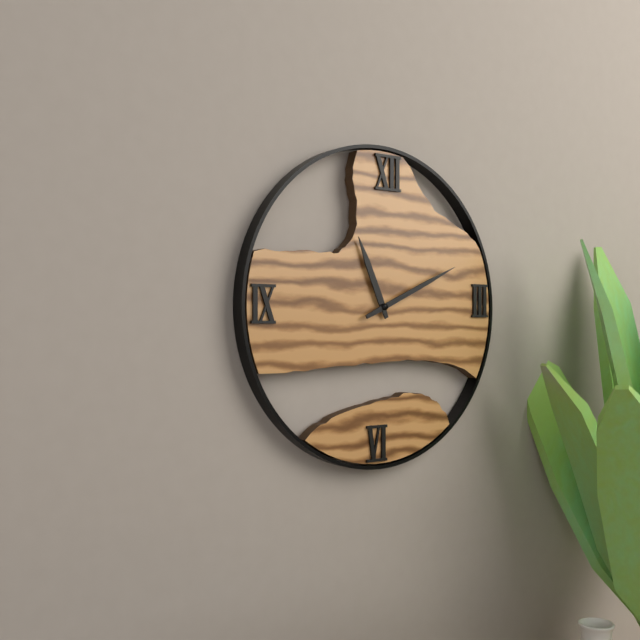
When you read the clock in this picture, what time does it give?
11:11
